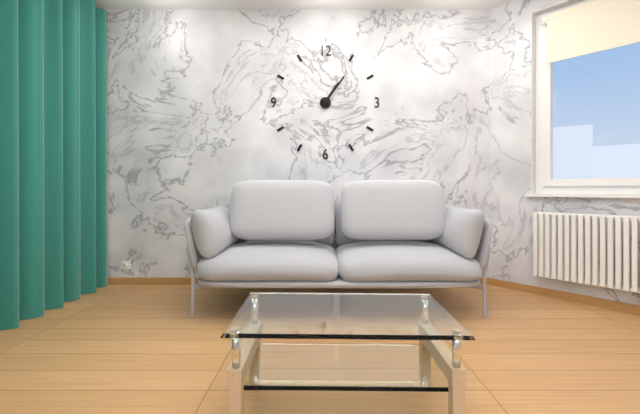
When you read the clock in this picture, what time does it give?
1:06
